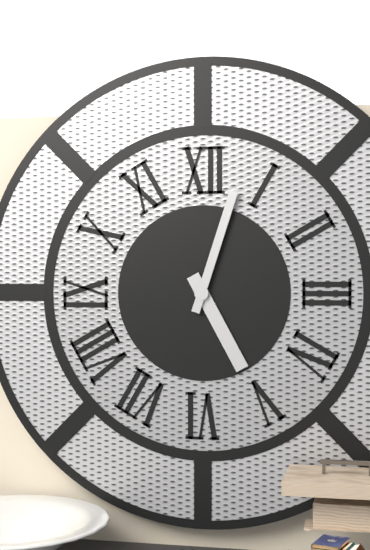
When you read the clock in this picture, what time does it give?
5:03
